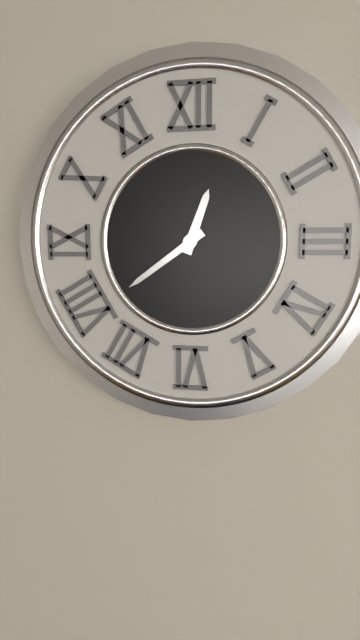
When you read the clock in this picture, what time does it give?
12:39
